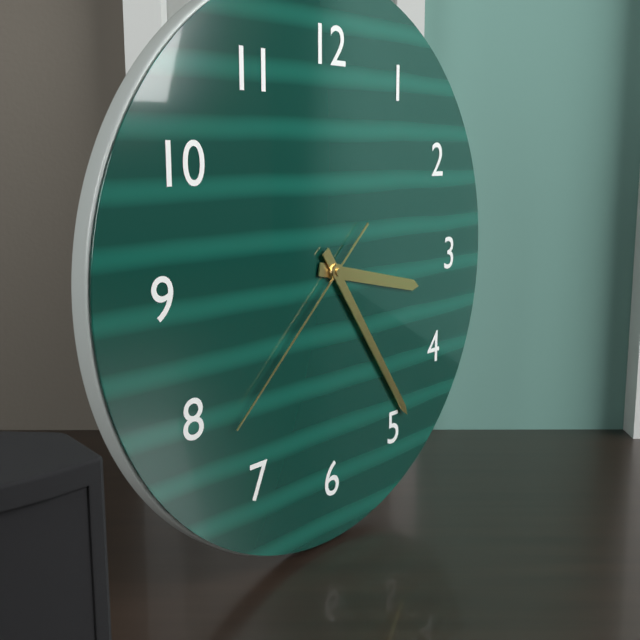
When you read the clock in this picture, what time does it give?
3:24:38
